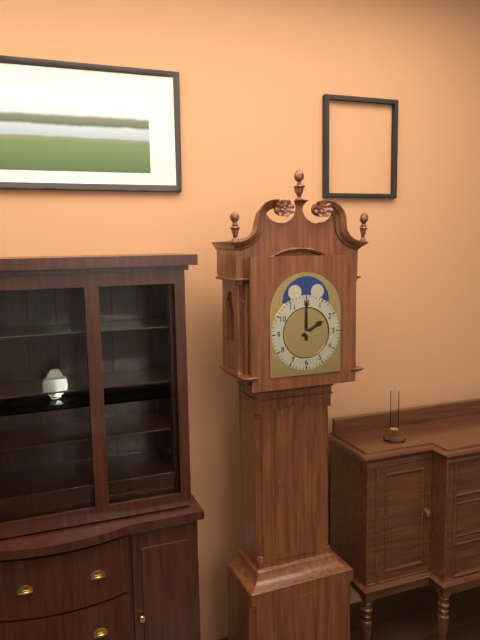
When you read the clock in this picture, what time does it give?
2:00
